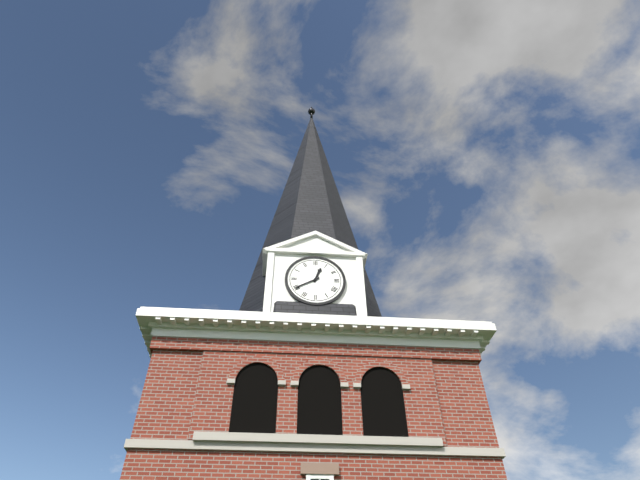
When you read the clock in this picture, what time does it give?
12:40
